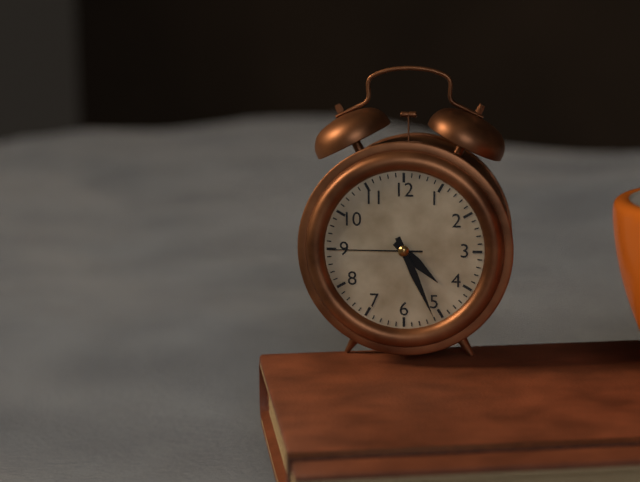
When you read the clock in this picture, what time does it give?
4:26:45
